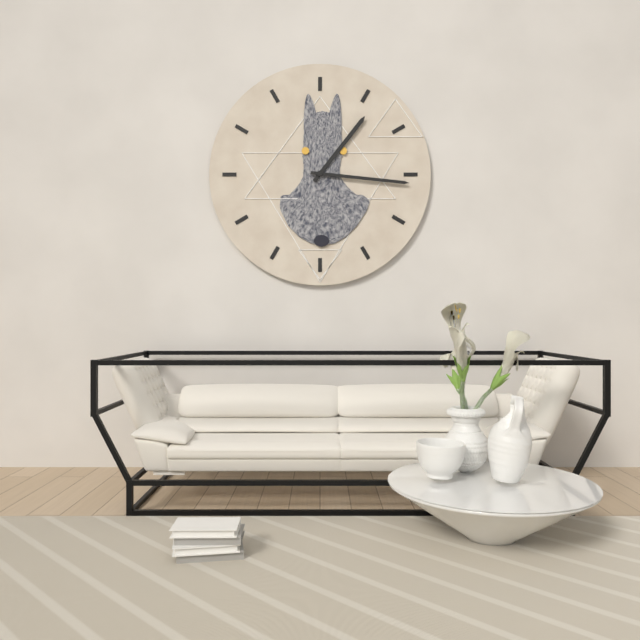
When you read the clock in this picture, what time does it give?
1:16
